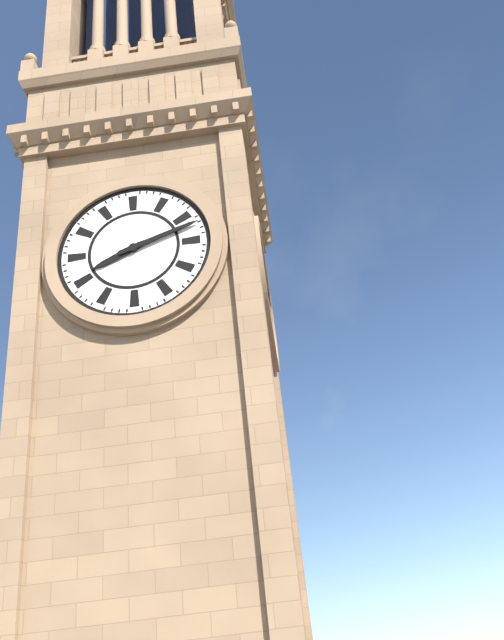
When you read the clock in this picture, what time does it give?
8:12
